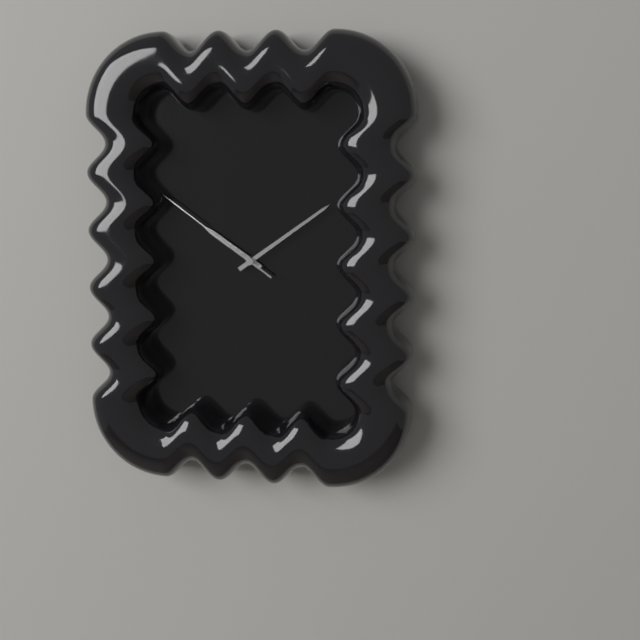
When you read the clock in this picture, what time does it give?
10:09:51
